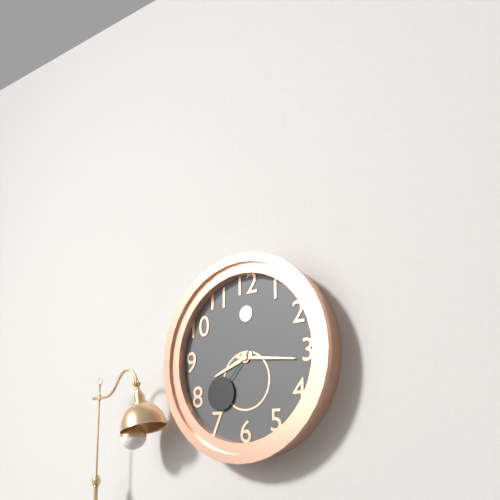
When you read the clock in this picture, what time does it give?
8:16:37
